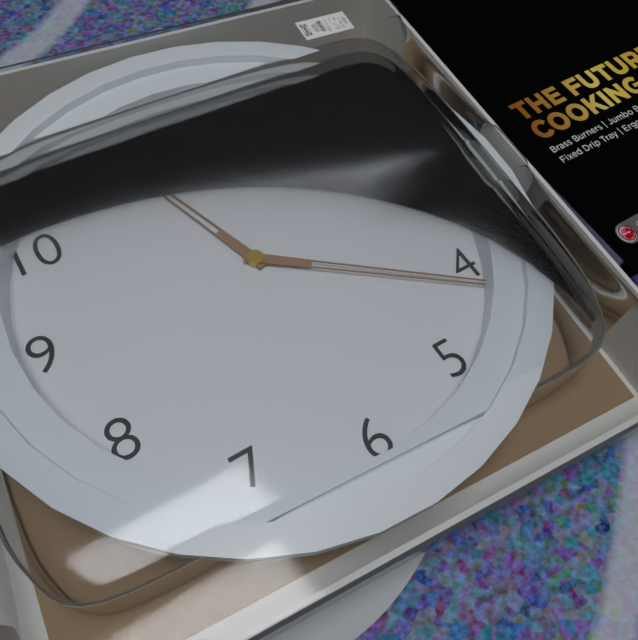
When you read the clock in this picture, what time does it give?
11:21
